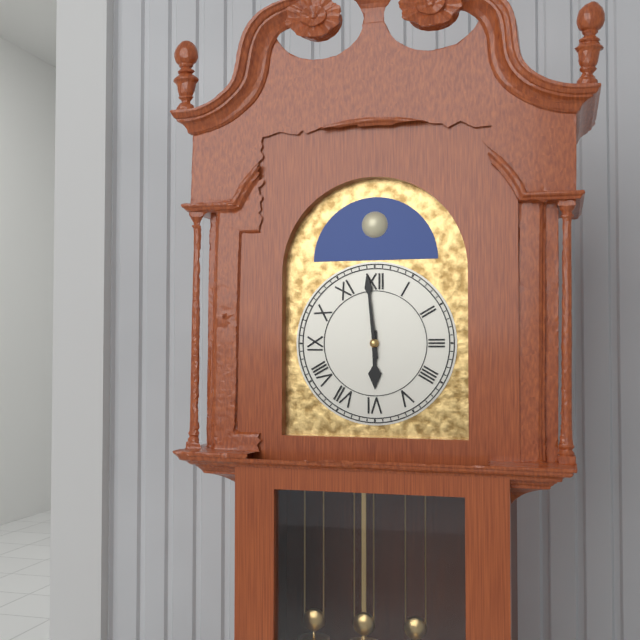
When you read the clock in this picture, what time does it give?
5:59
